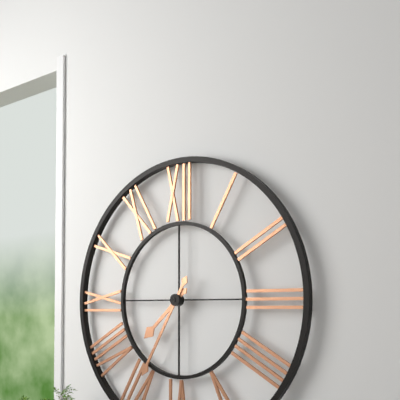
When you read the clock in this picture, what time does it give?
7:35
